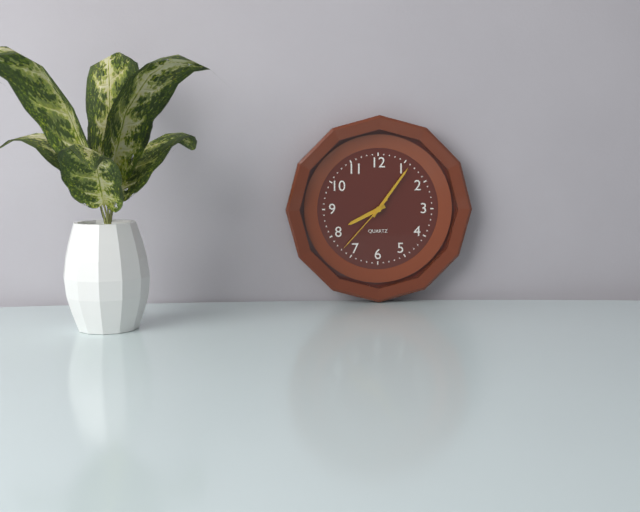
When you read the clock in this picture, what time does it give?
8:06:37
